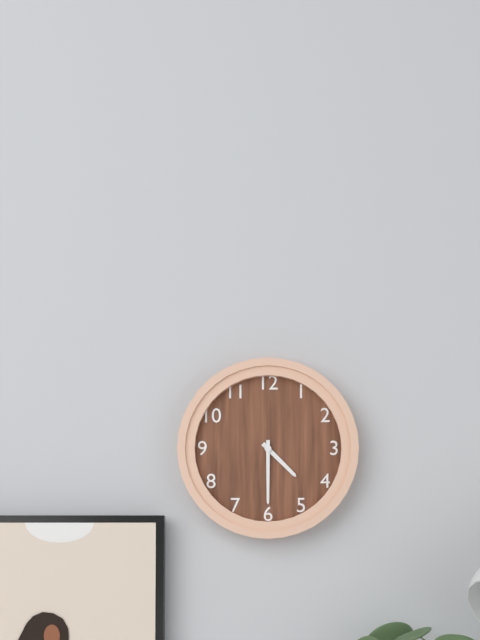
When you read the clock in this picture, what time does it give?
4:30
